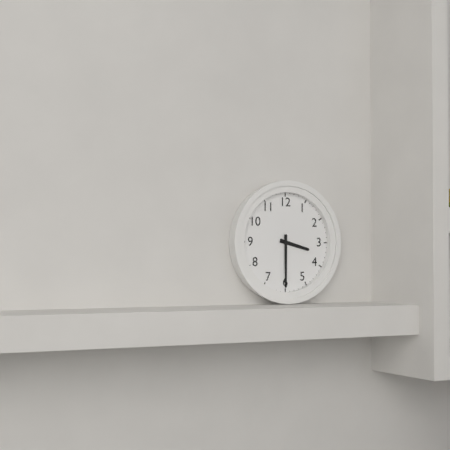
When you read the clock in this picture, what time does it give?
3:30
